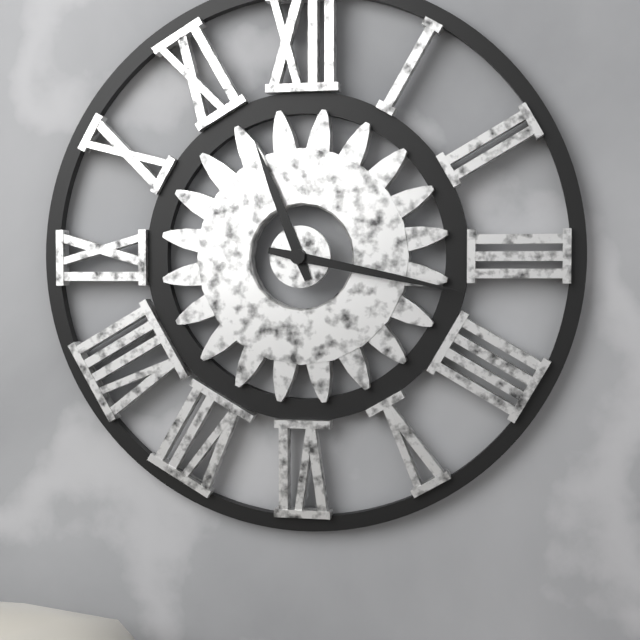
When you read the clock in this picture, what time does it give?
11:17
